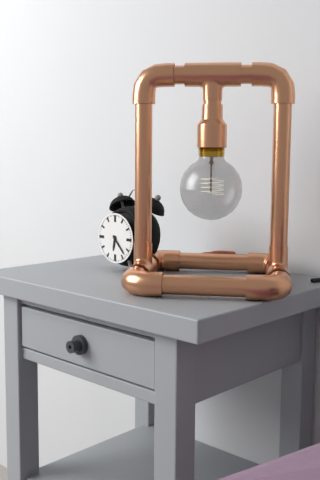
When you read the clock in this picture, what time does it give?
6:23
